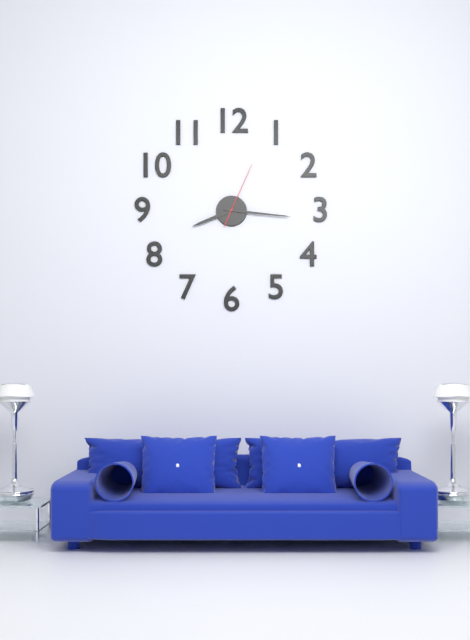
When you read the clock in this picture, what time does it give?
8:16:04
